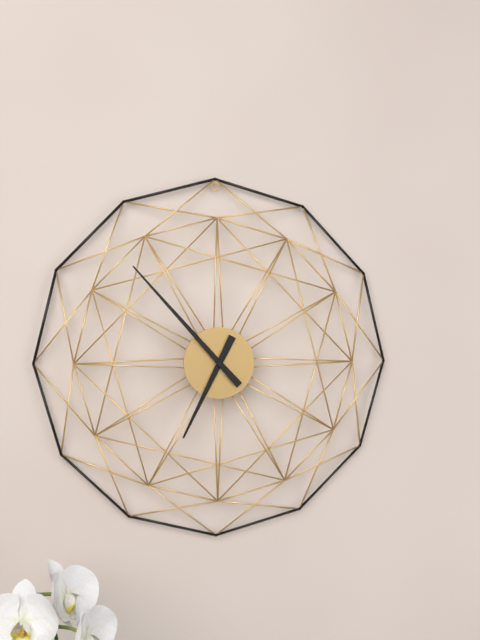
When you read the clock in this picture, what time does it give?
6:53
